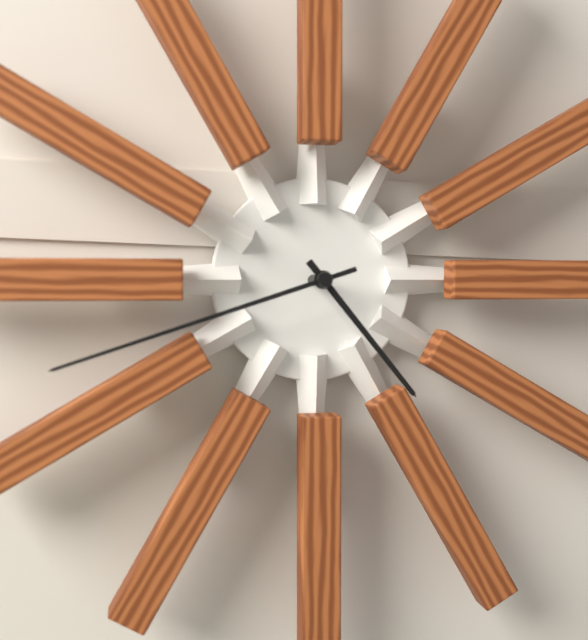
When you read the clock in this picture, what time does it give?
4:42
